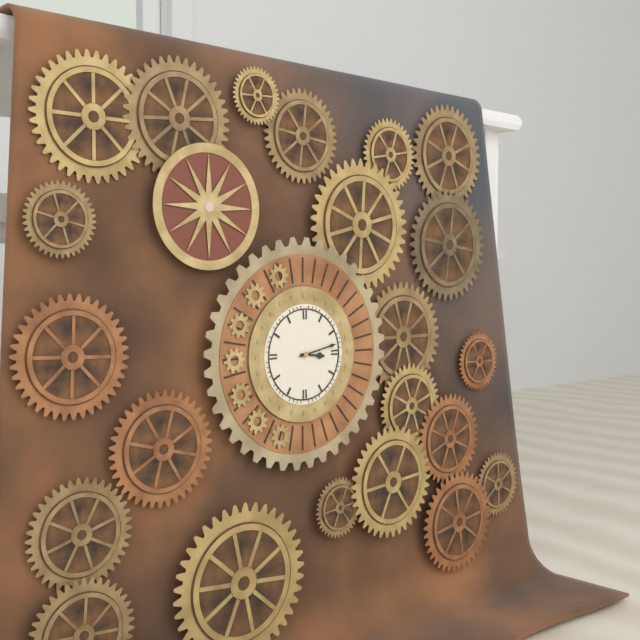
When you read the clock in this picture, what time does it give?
3:13
